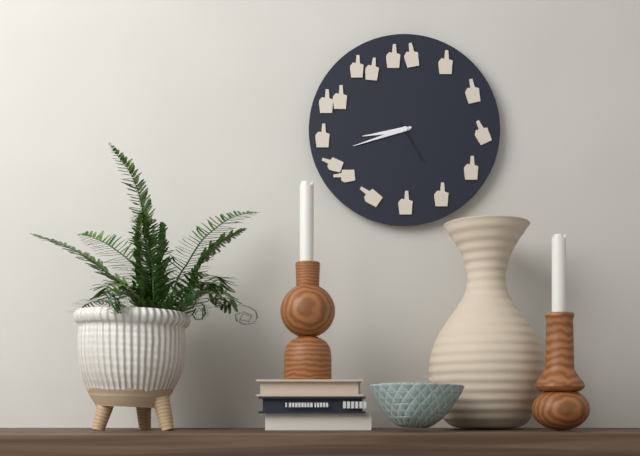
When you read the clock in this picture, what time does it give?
8:42
